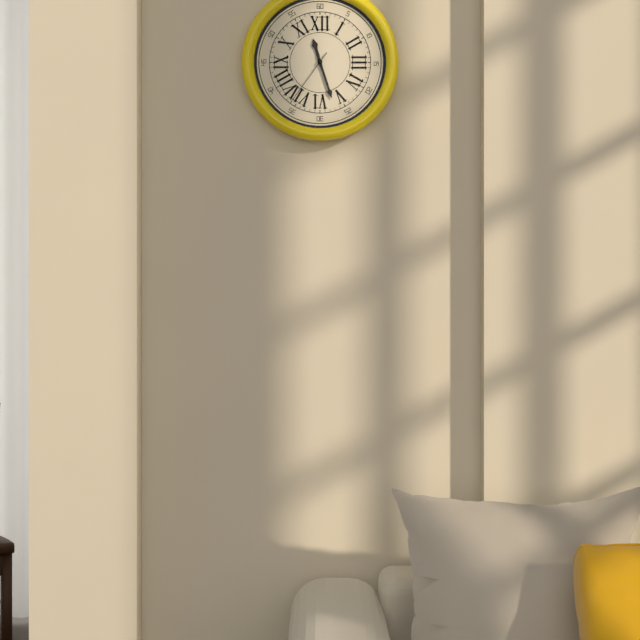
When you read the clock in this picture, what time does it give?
11:27:36
